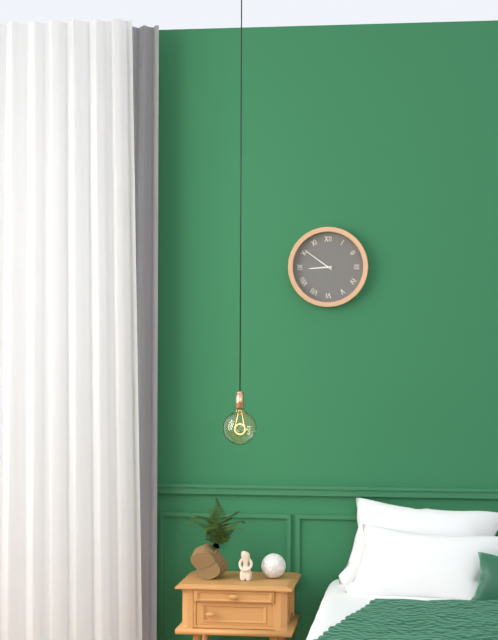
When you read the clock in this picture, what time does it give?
8:51
